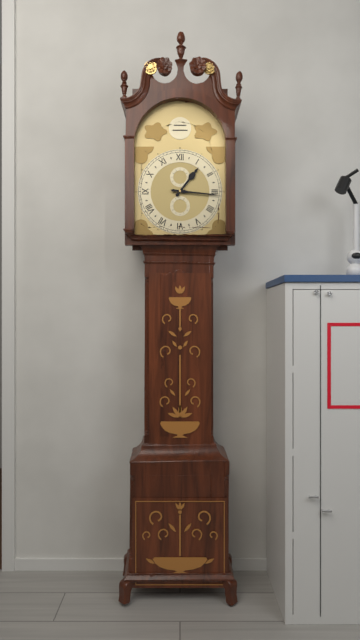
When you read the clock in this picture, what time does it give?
1:16
